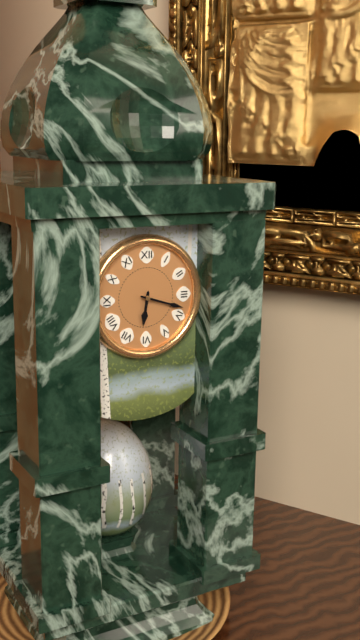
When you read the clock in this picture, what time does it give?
6:18
